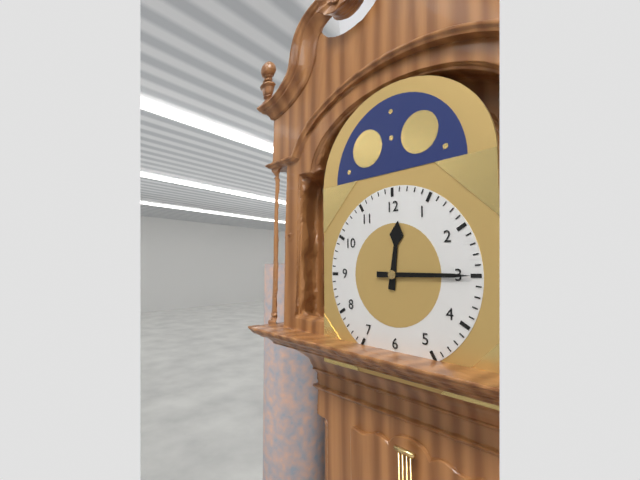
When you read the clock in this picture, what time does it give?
12:15
